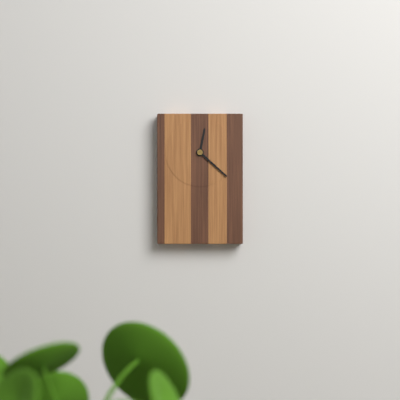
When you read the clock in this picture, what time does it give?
12:22
